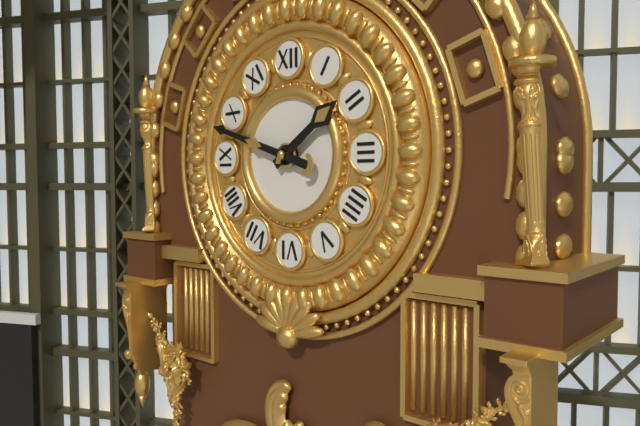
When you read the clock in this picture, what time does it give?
1:48
